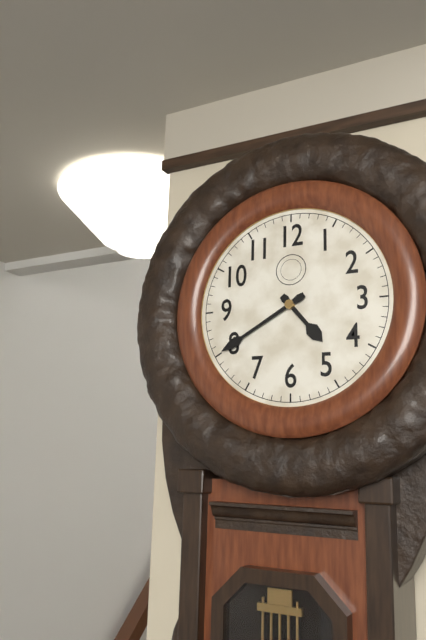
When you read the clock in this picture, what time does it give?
4:40
